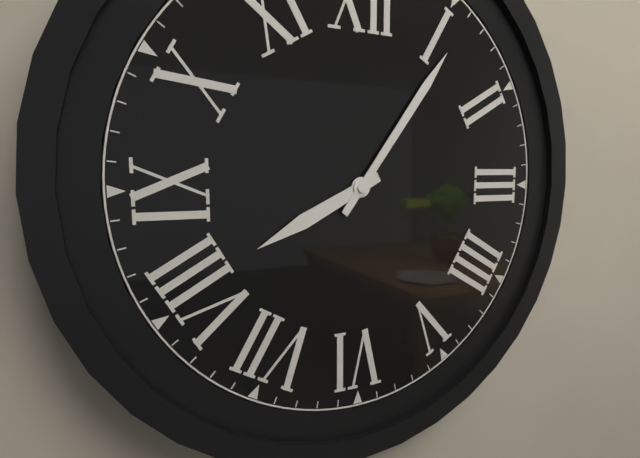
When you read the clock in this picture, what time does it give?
8:06
